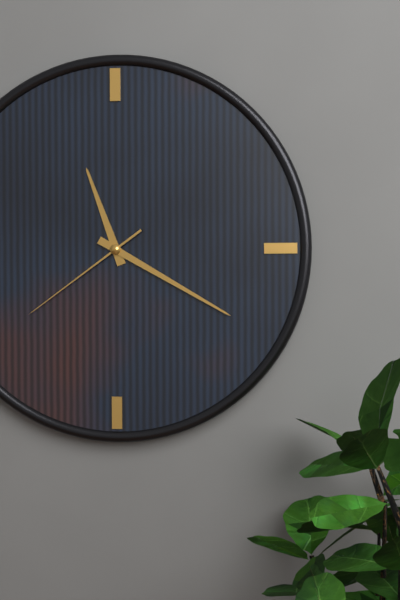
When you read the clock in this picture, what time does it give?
11:20:39
